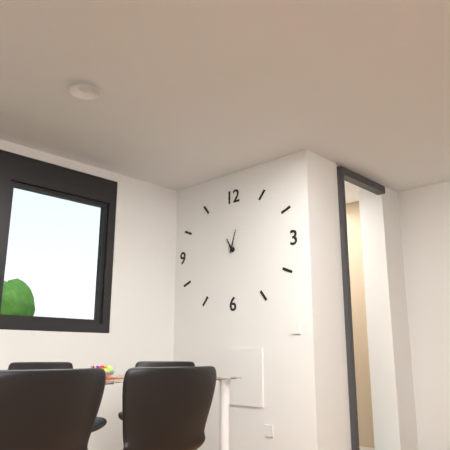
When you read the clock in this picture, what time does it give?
11:03
